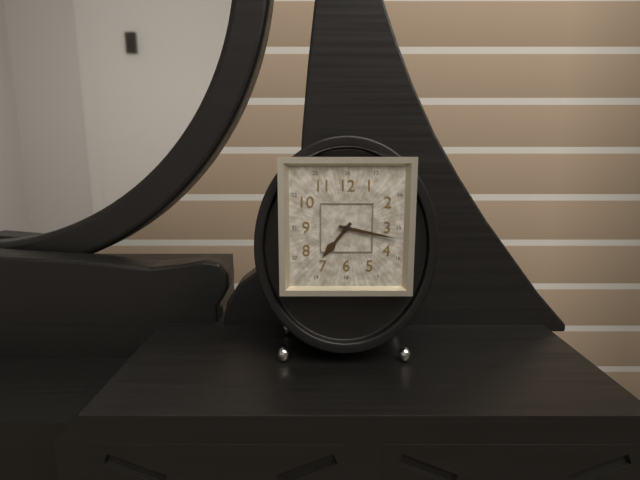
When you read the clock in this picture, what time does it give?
7:17
